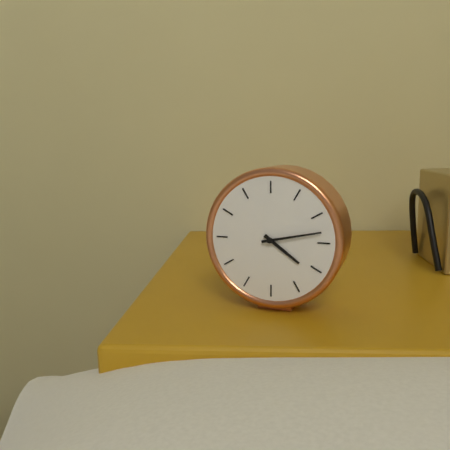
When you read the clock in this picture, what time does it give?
4:13
